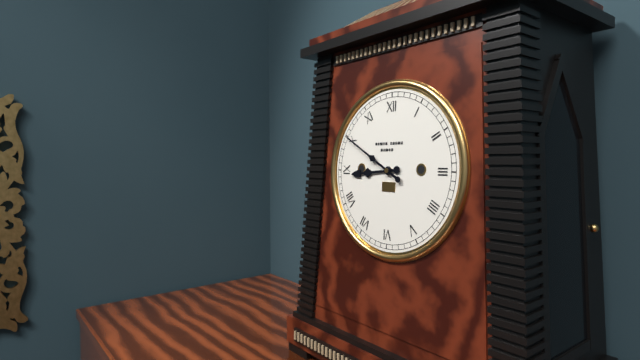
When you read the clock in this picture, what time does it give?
8:50
